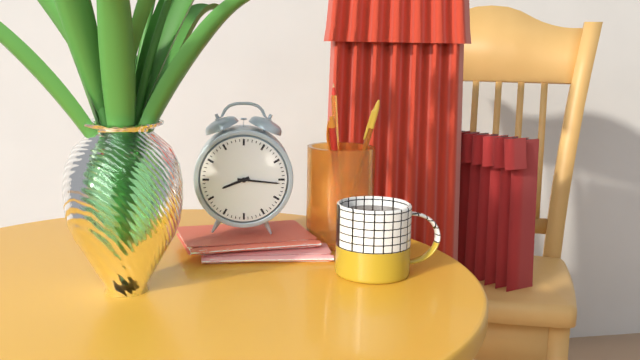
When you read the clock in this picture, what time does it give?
8:16
